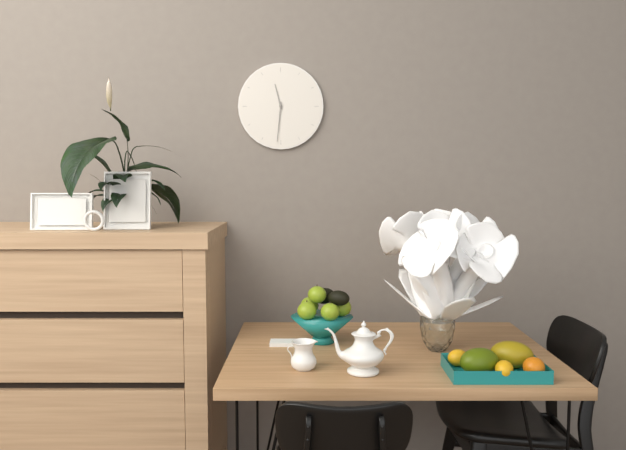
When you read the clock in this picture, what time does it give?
11:31
